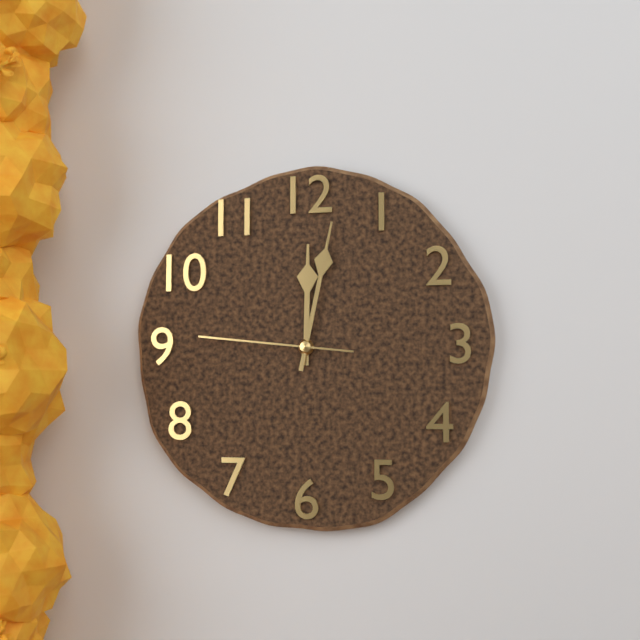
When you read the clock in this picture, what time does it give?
12:02:46
